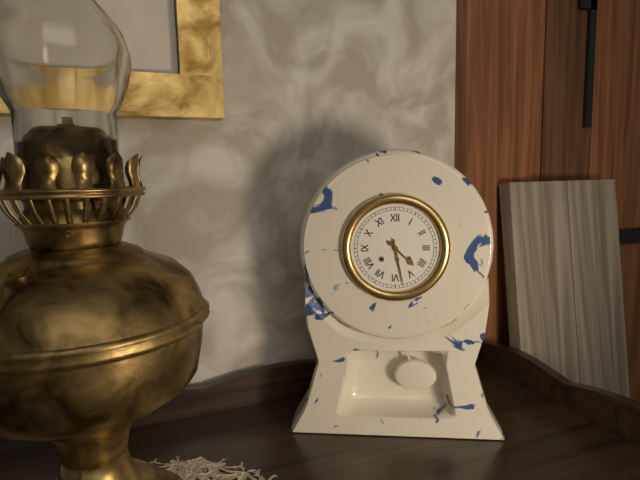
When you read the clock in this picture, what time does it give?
4:28
